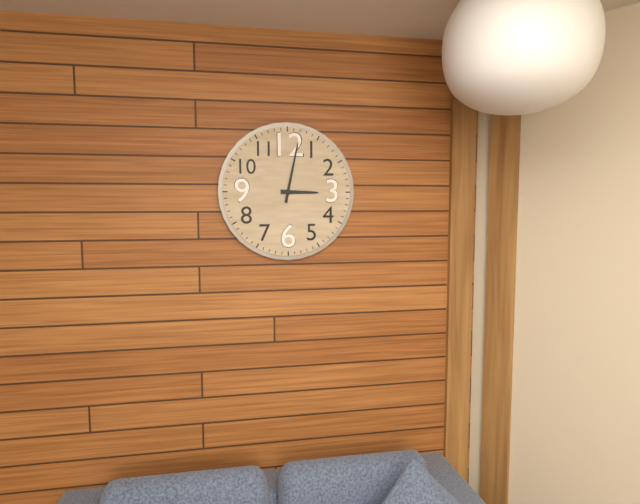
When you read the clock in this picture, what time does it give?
3:02
